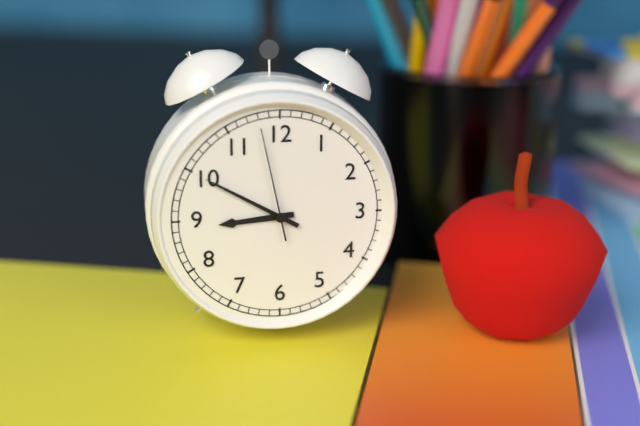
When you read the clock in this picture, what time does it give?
8:50:58
